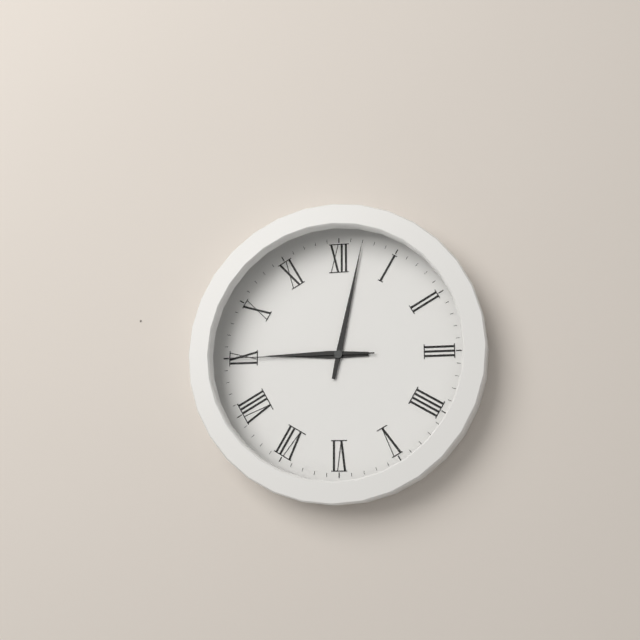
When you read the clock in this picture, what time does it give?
9:02:45
